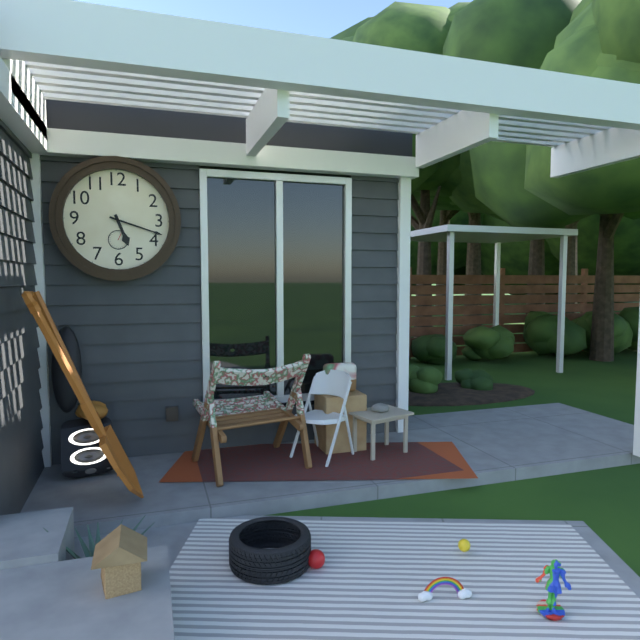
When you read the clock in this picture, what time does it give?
5:18
